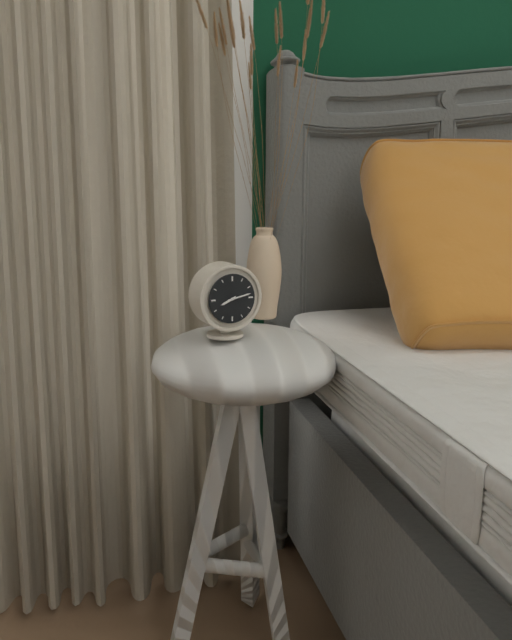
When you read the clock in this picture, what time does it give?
8:13
